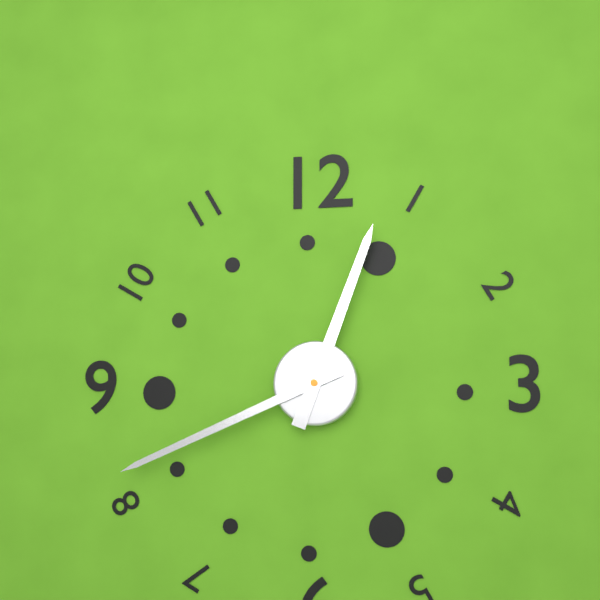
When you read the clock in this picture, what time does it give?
12:41
